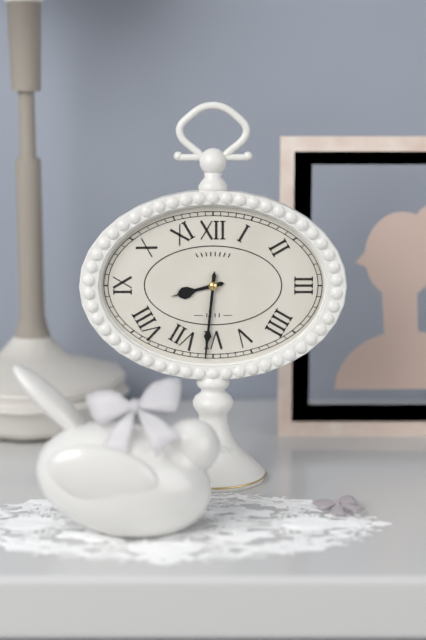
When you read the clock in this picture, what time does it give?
8:31
